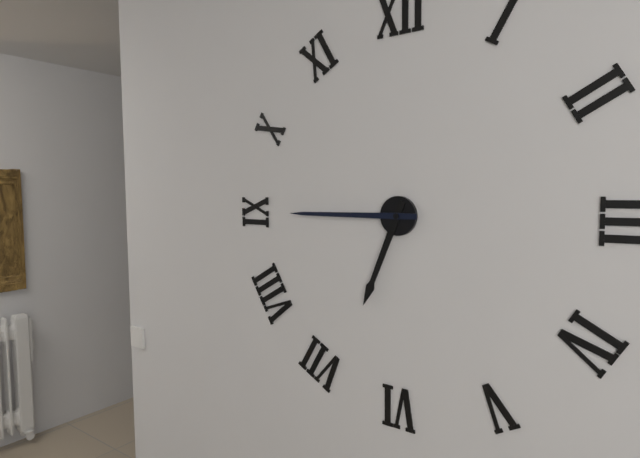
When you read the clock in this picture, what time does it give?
6:45
